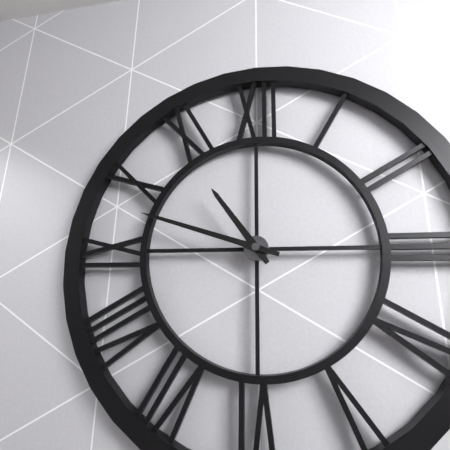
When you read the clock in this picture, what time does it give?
10:48
